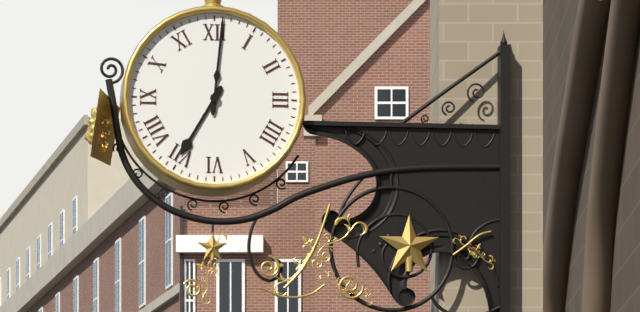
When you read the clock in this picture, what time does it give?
7:01
